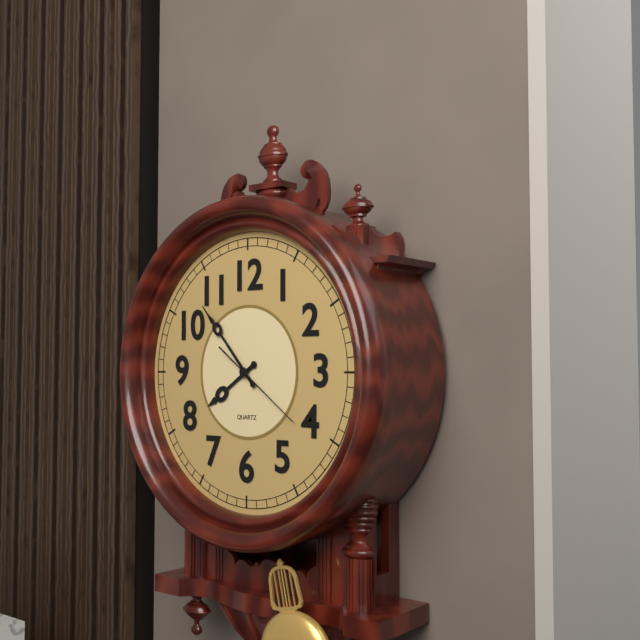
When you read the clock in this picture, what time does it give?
7:53:21
